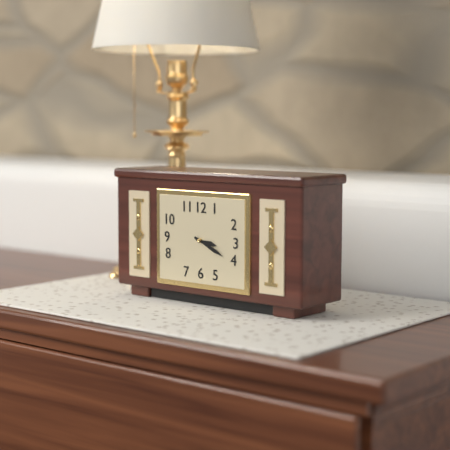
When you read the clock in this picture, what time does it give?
3:19
